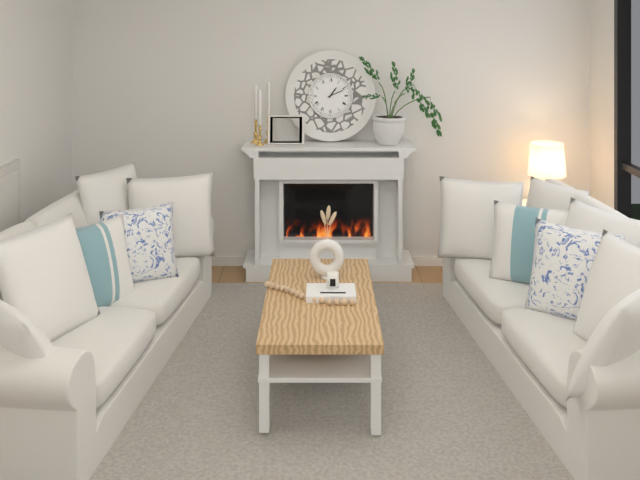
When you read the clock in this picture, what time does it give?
1:11
